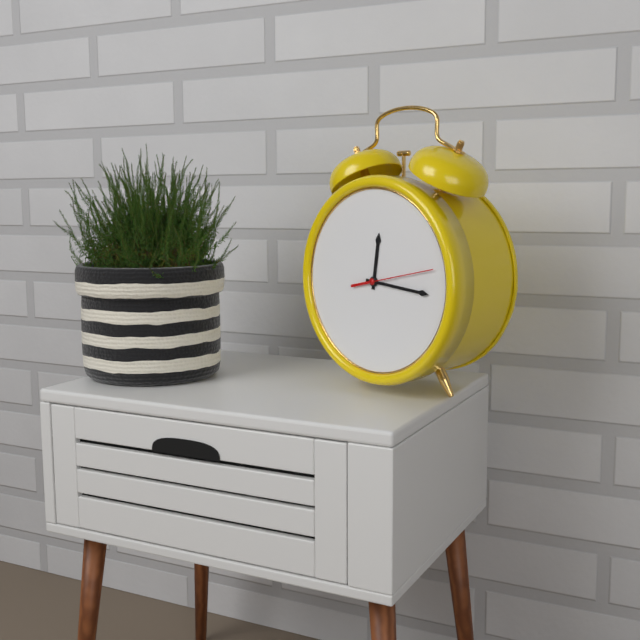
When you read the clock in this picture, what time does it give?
12:16:13
